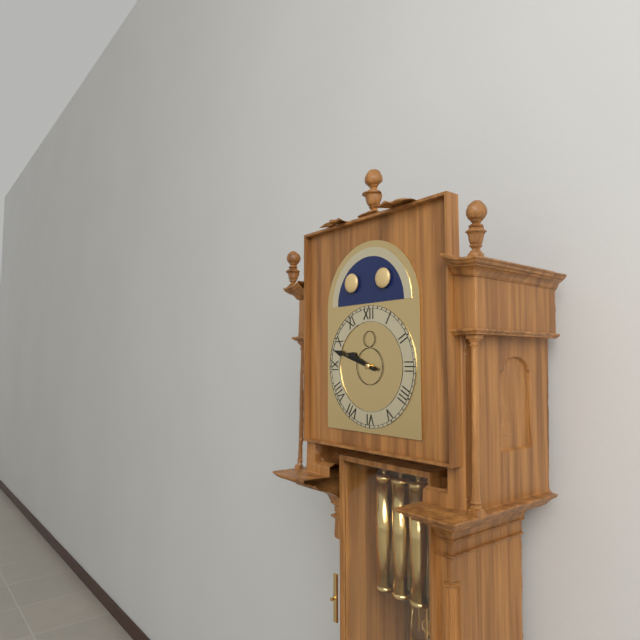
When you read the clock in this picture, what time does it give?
9:48
